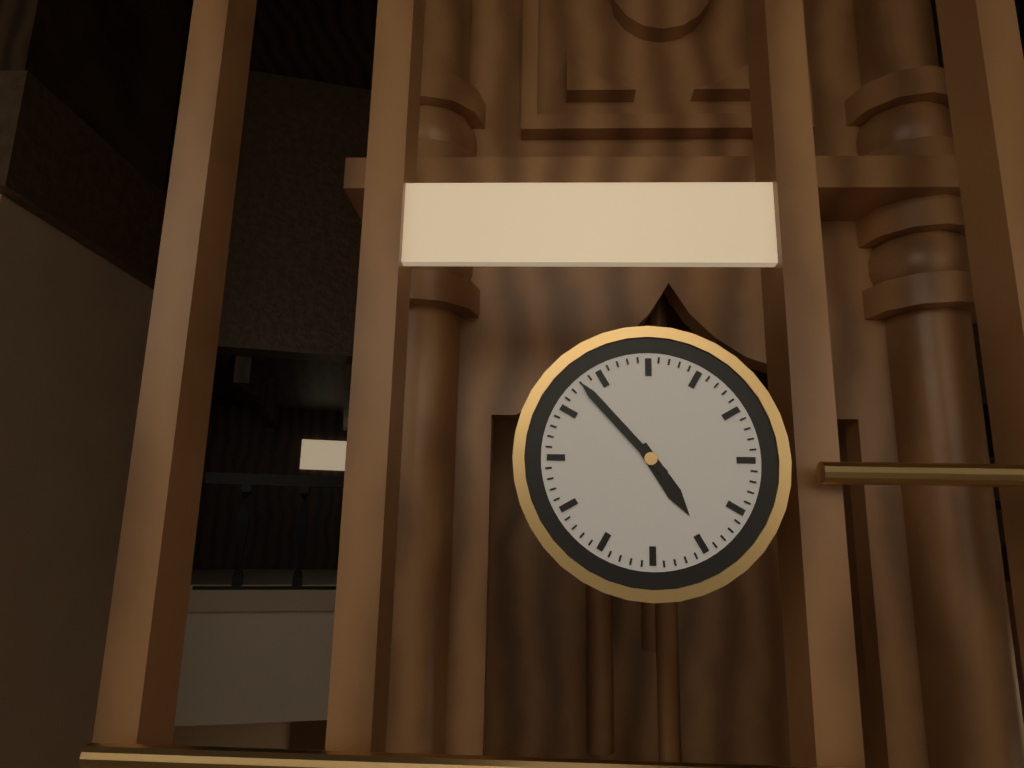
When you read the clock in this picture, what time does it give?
4:53
